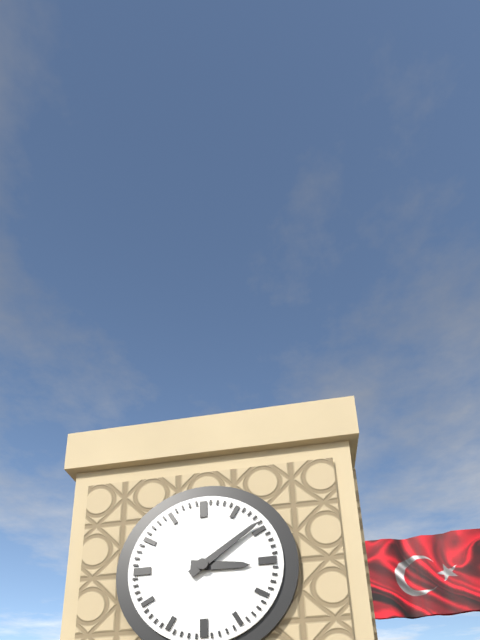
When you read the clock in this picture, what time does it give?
3:09
